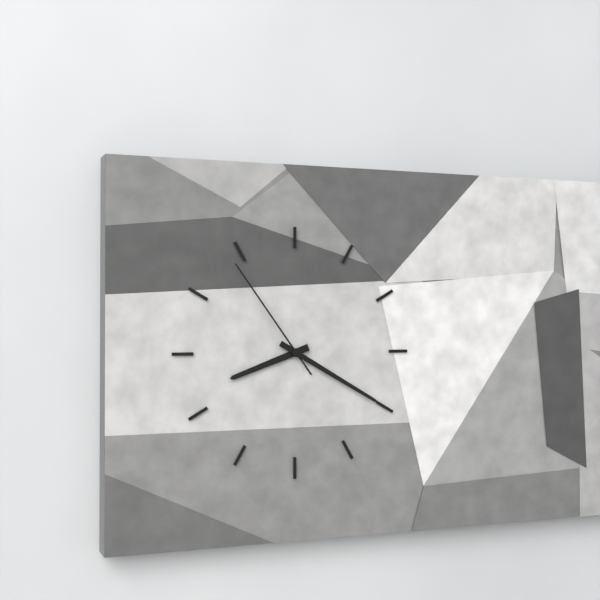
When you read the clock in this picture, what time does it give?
8:20:54
